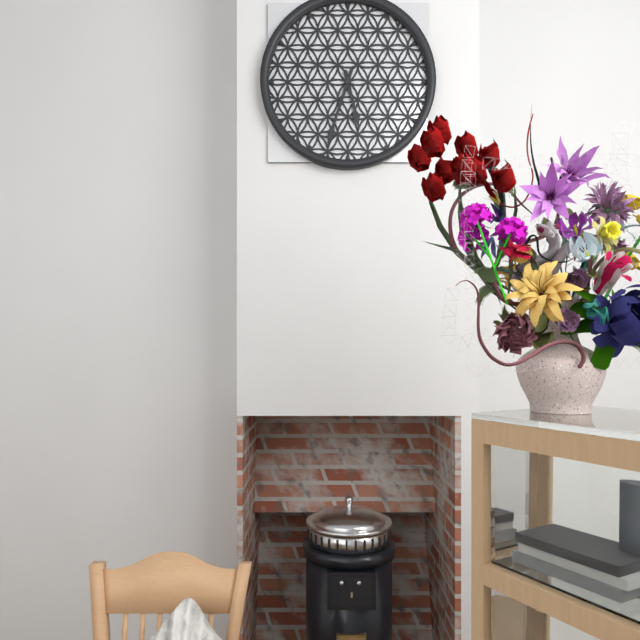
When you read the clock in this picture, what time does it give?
5:33
